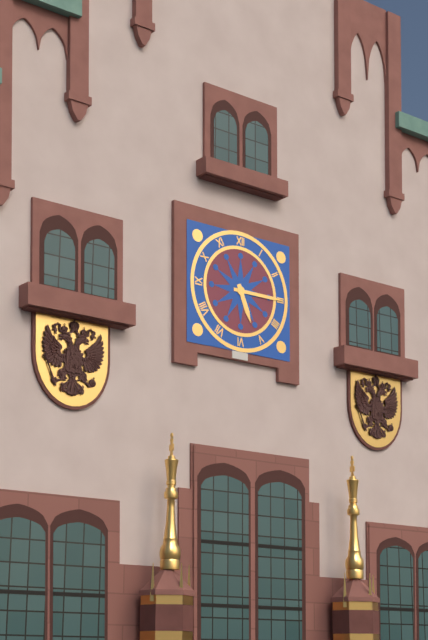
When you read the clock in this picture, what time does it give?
5:15
